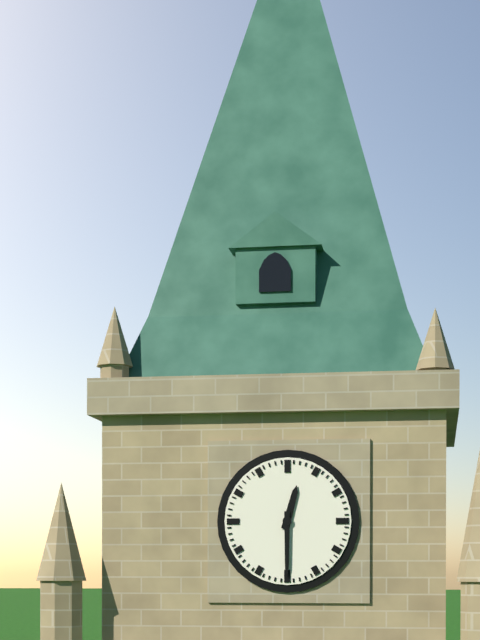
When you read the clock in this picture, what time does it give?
12:30
